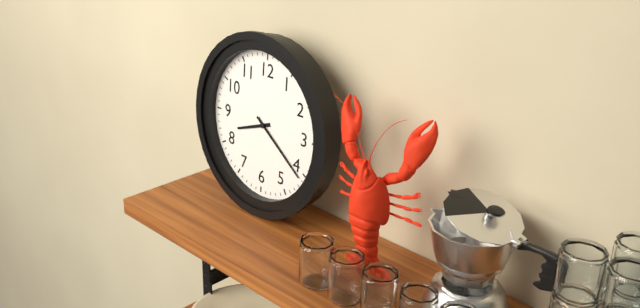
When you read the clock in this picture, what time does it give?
8:21
